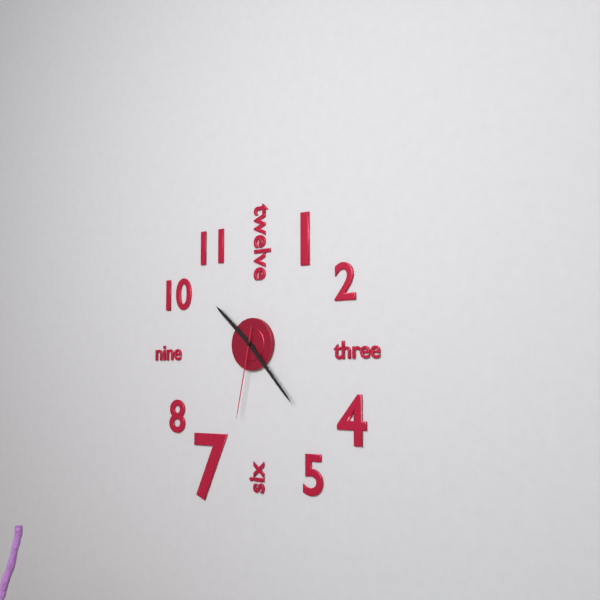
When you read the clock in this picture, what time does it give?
10:23:32
